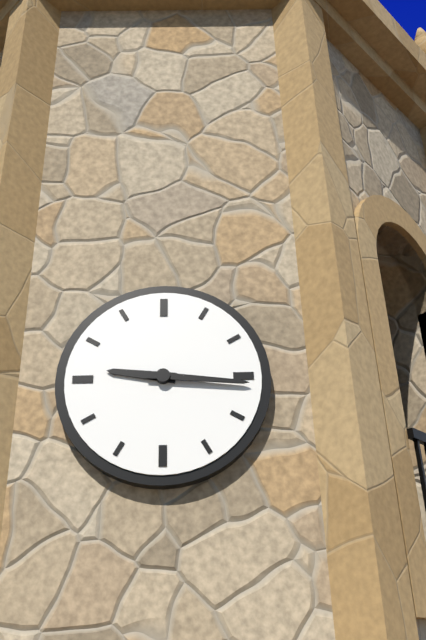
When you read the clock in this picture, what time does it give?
9:16
